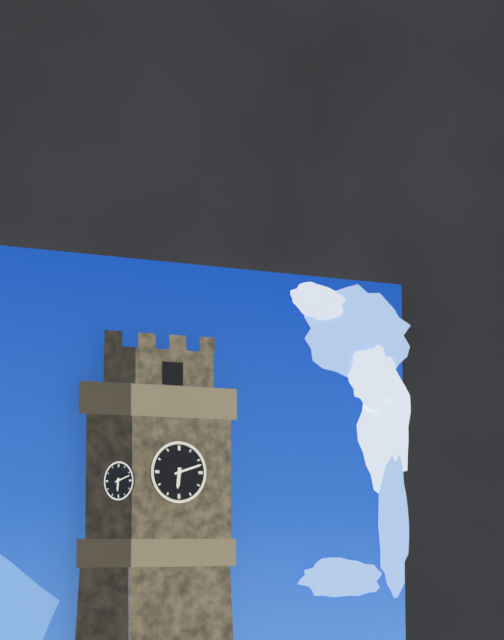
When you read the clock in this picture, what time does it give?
6:12
